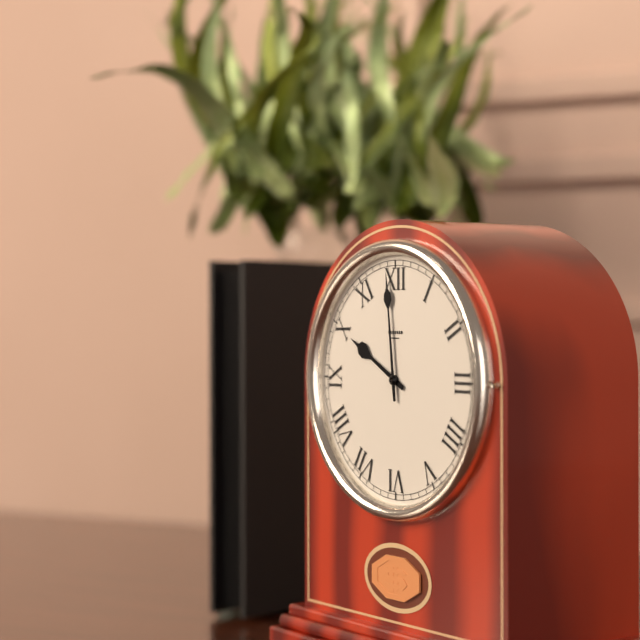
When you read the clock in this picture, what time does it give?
9:59
